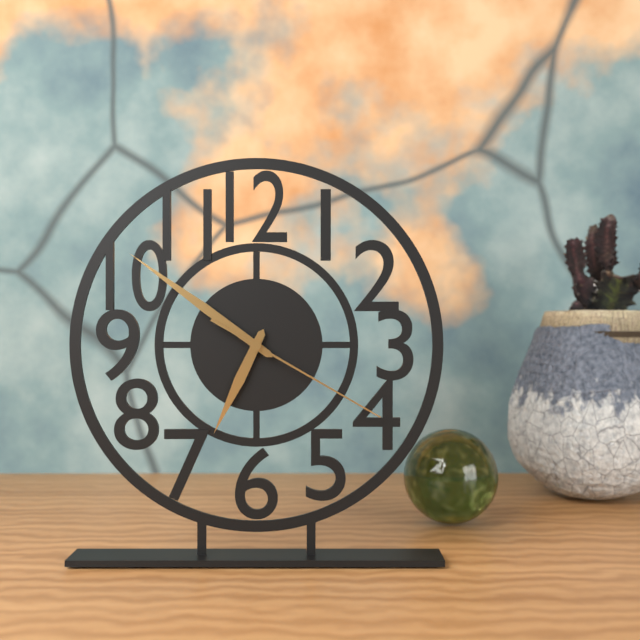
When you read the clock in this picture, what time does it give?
6:51:20
